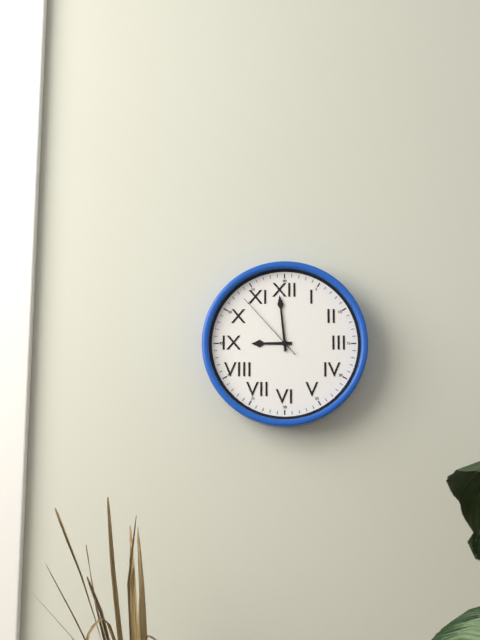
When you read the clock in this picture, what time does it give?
8:59:53
